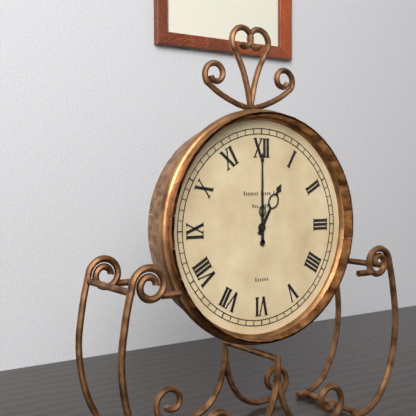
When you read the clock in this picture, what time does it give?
1:00
